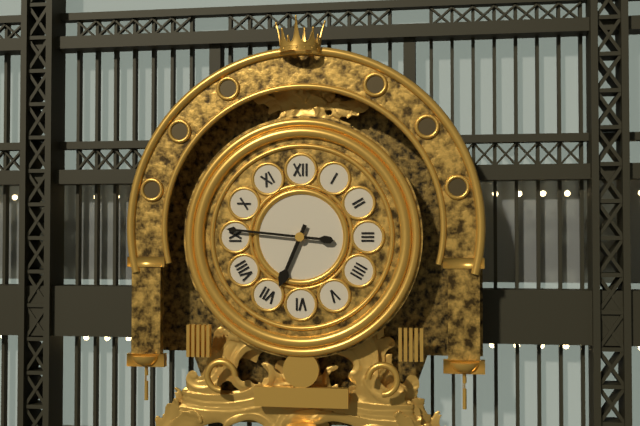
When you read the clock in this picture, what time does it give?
6:46
